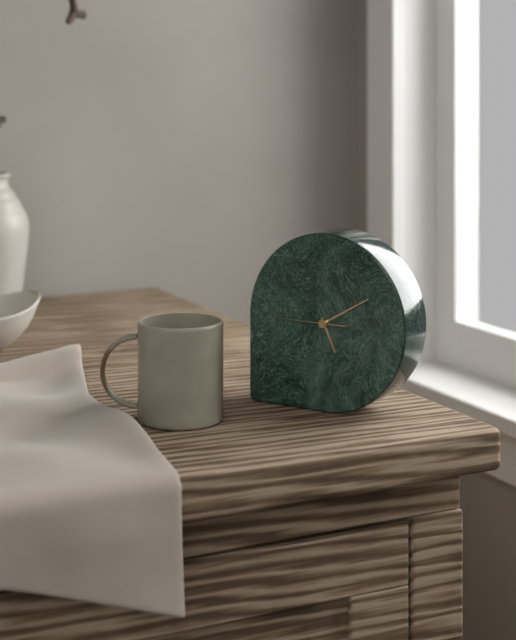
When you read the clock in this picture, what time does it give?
5:10:45
